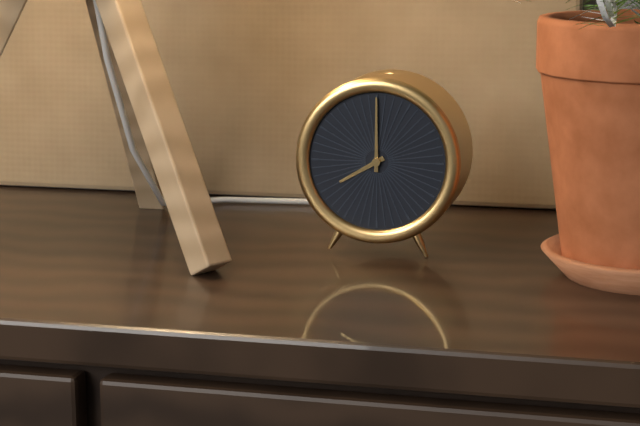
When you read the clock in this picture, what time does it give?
8:00
